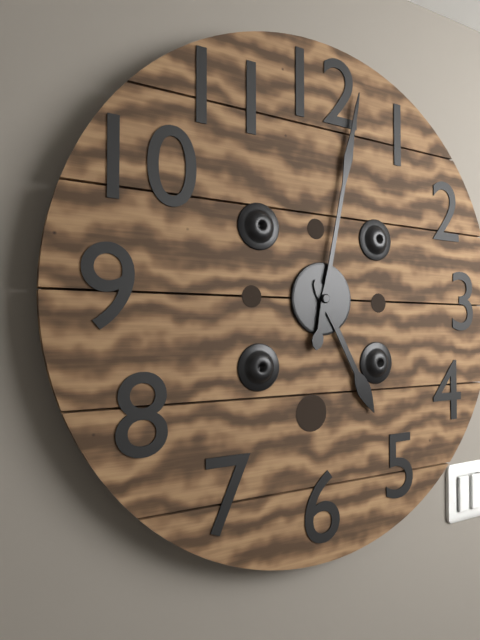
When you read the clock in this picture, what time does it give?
5:02
